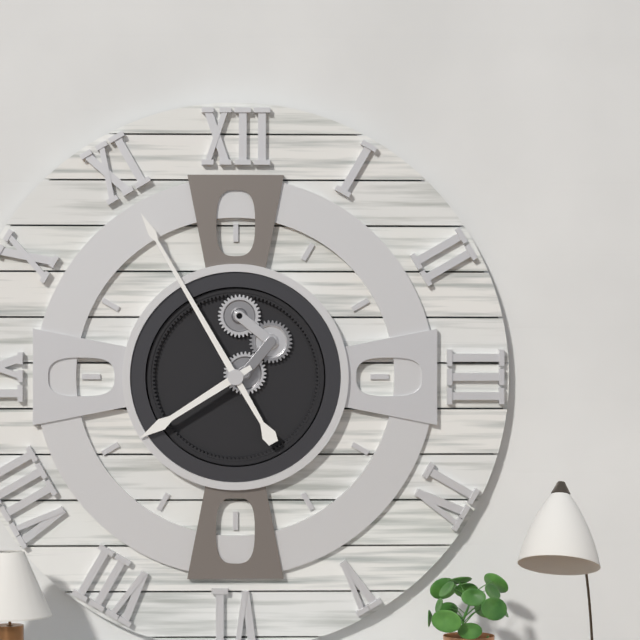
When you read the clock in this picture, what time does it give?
7:55
